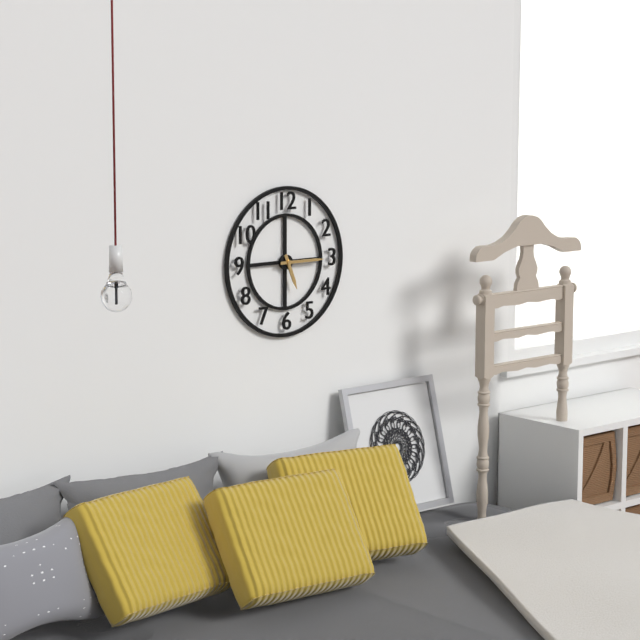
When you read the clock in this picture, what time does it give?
5:15
